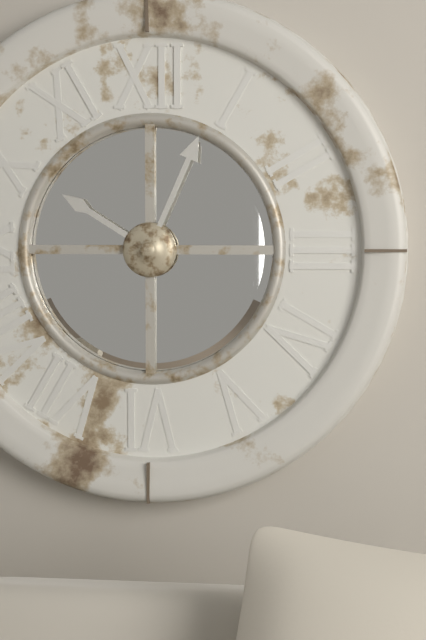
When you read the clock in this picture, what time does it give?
10:04
